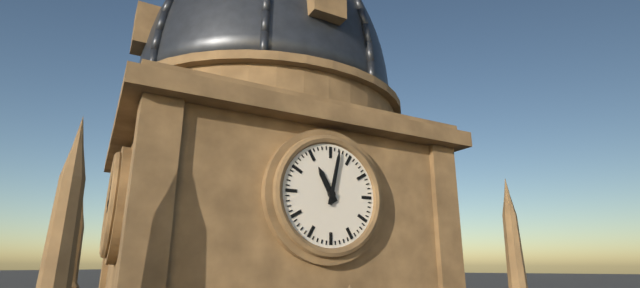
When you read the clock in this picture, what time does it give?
11:02
